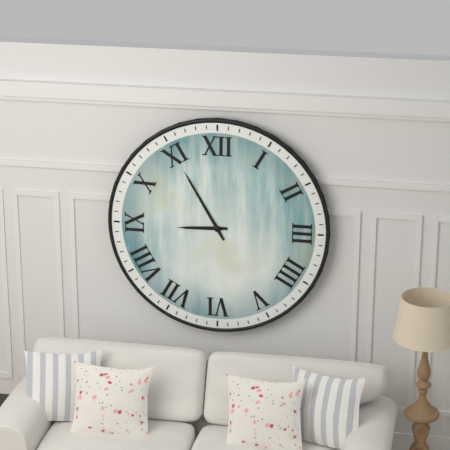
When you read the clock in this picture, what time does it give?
8:55
